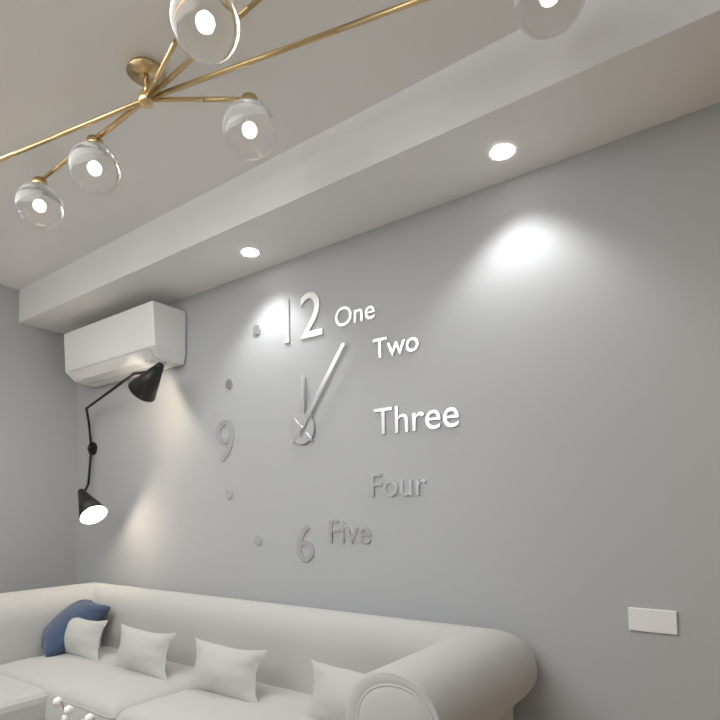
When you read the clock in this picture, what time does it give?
12:06
